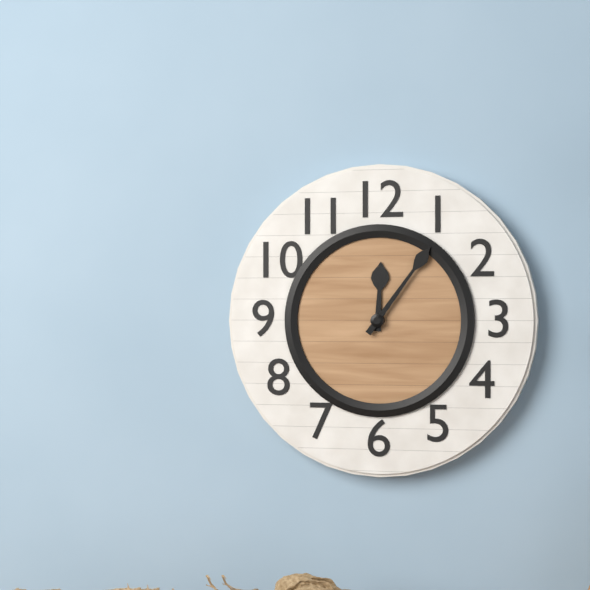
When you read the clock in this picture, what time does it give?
12:06
